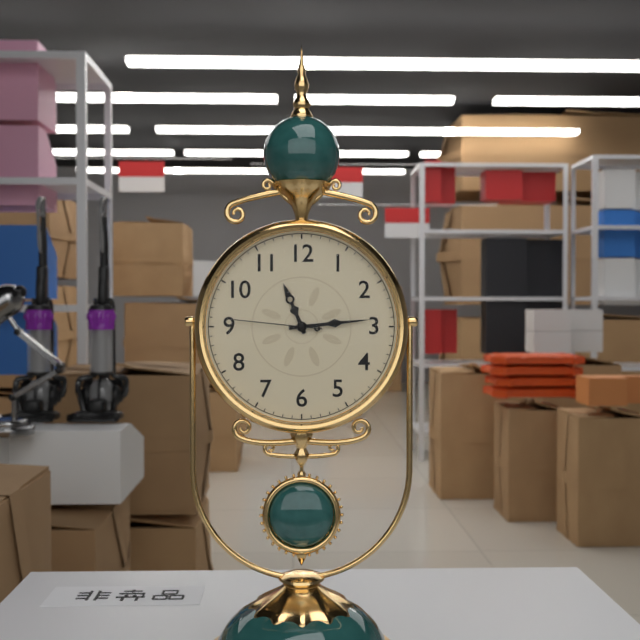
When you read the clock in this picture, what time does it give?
11:14:46
